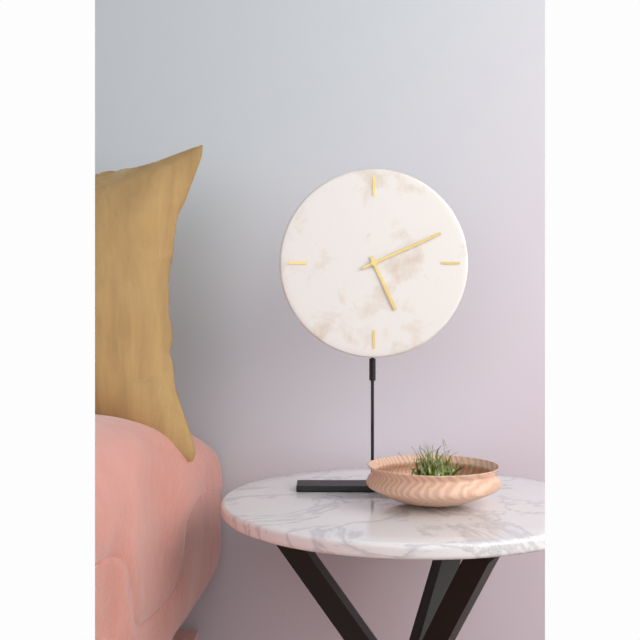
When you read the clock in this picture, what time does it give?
5:11
